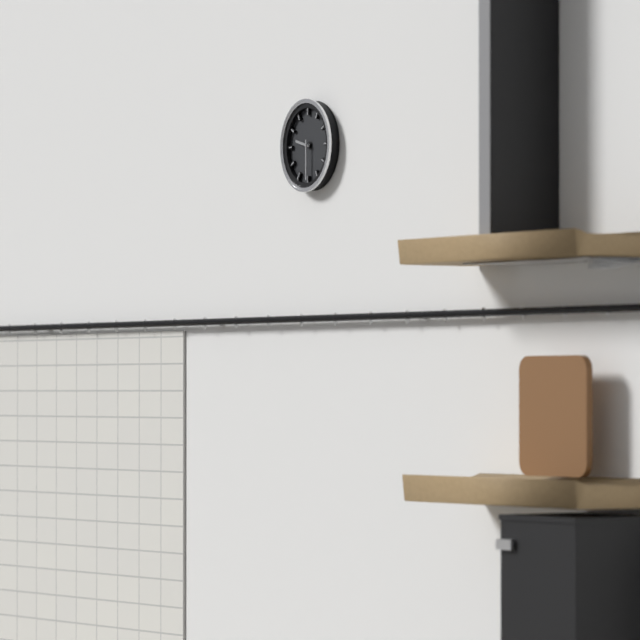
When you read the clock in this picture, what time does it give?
9:30
